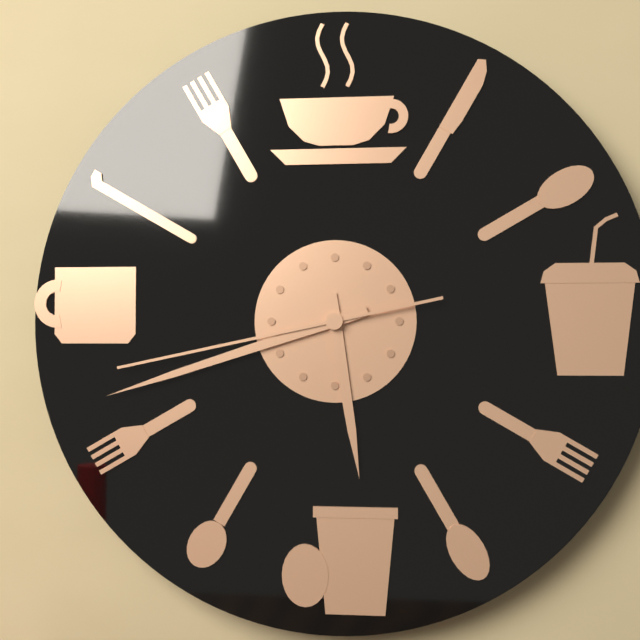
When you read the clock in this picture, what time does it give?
5:42:43
